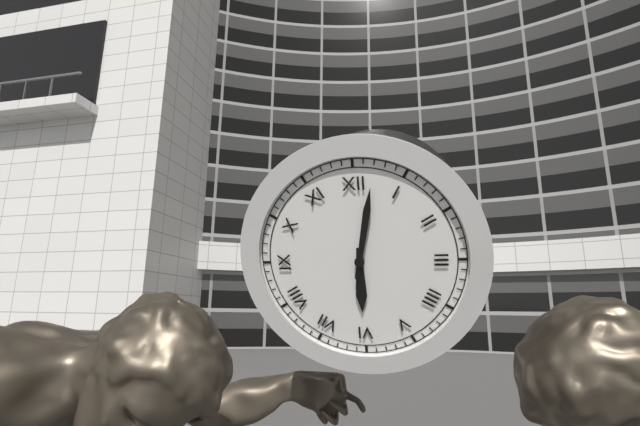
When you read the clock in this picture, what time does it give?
6:02
